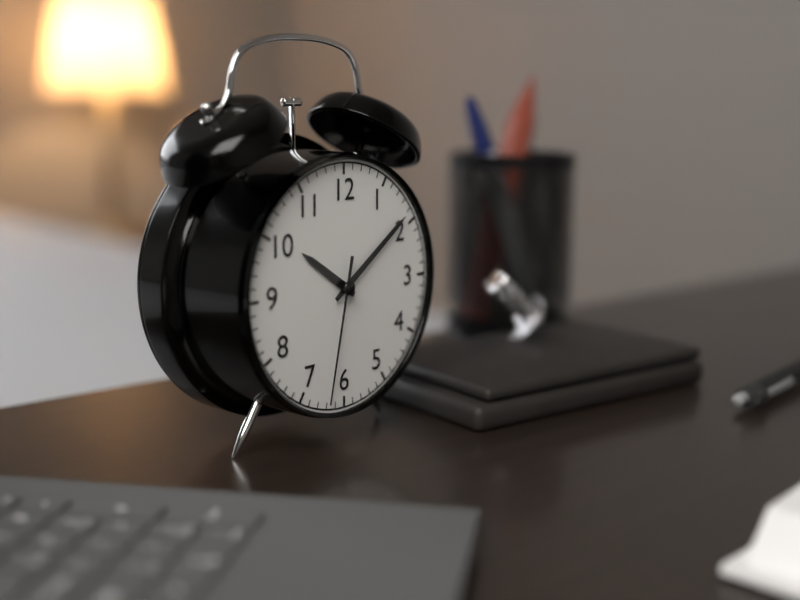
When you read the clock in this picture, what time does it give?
10:09:32
